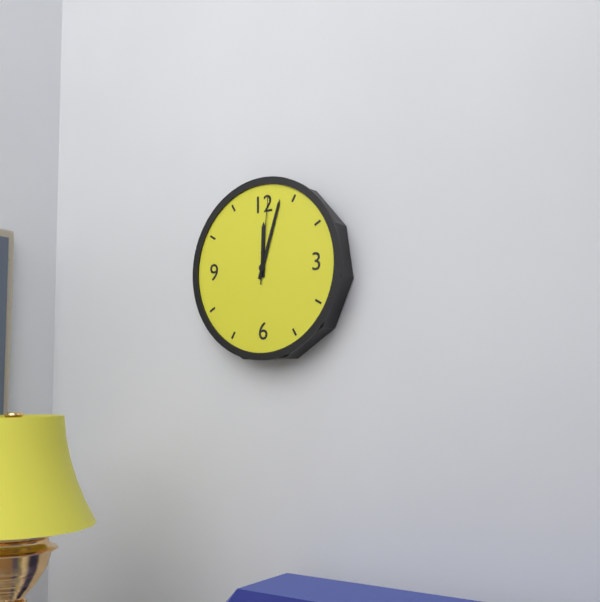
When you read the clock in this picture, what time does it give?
12:03:01
